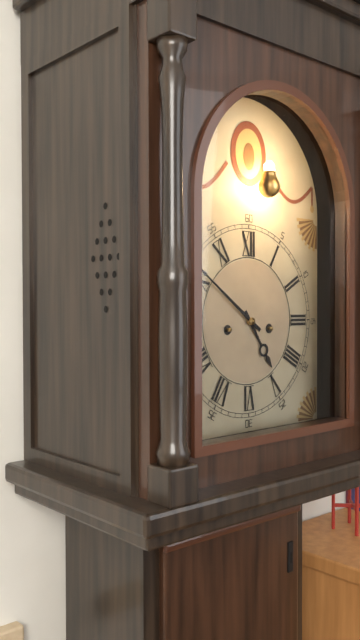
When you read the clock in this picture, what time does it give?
4:51
